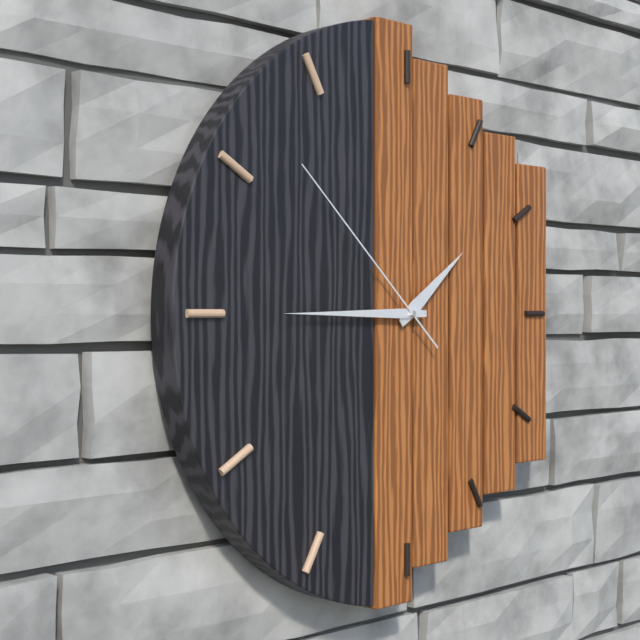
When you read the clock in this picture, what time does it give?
1:45:52
